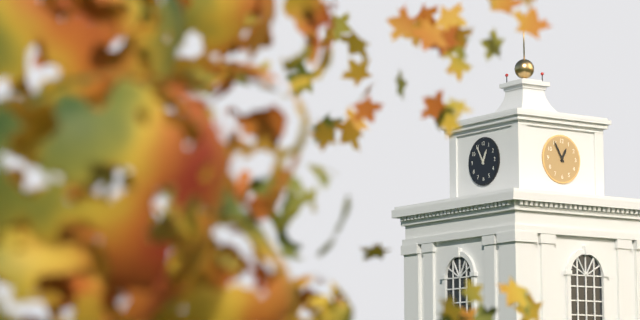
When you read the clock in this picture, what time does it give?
12:55
